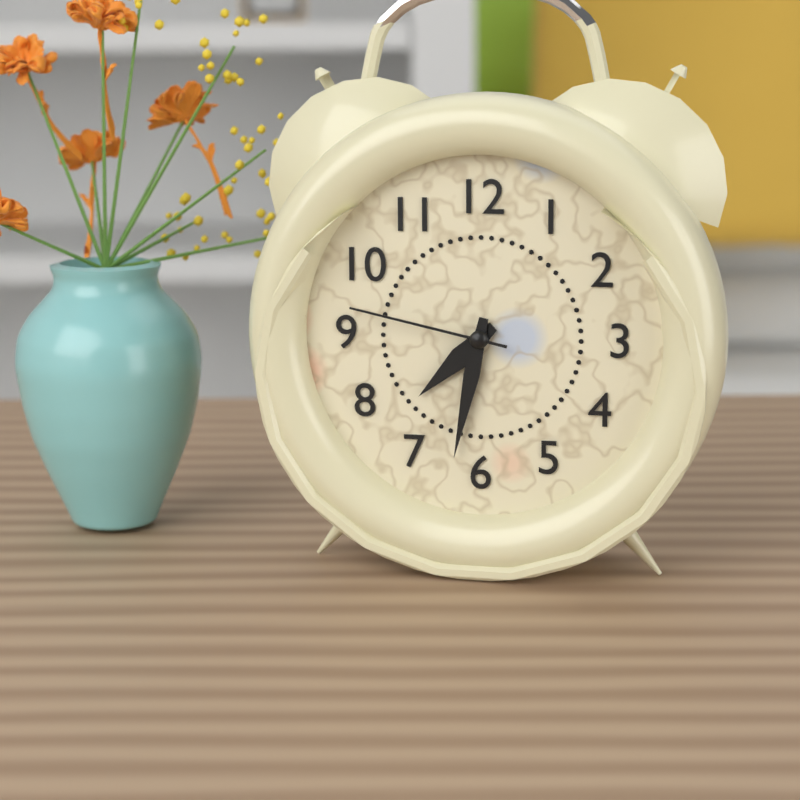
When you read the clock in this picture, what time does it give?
7:32:47
